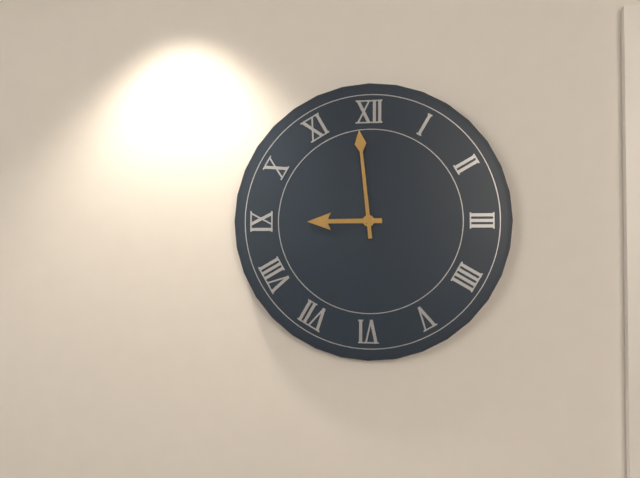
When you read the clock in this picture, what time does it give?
8:59
